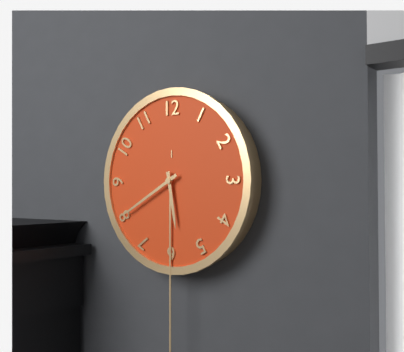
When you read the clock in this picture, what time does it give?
5:40
